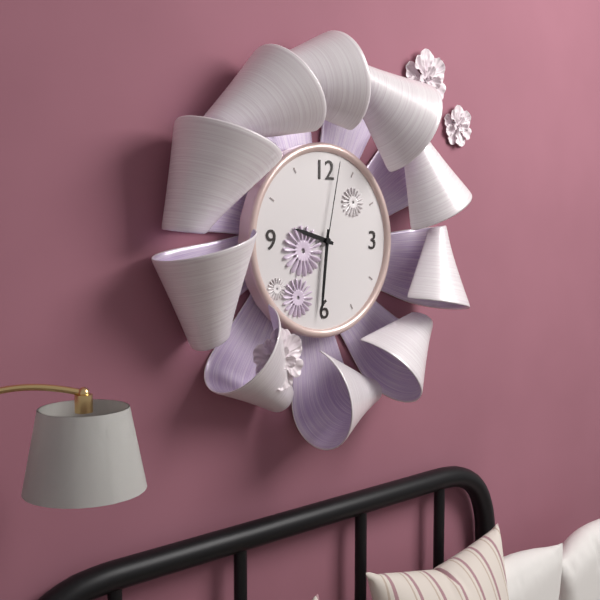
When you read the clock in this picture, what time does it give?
9:31:02
